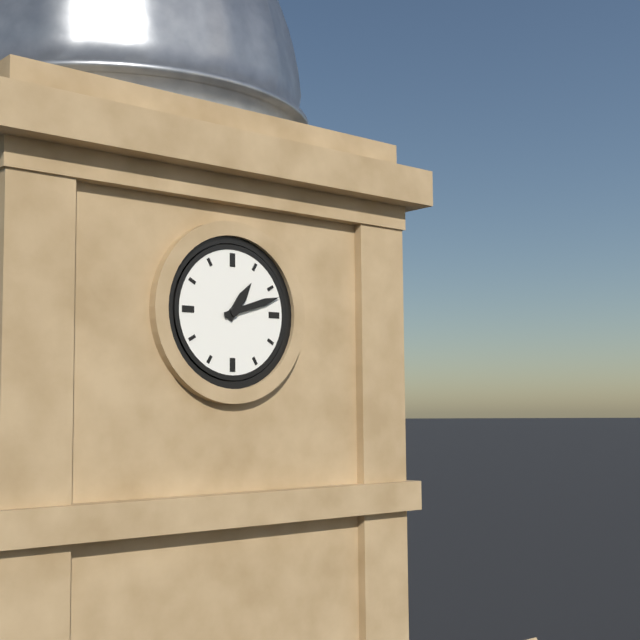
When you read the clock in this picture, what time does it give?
1:12
